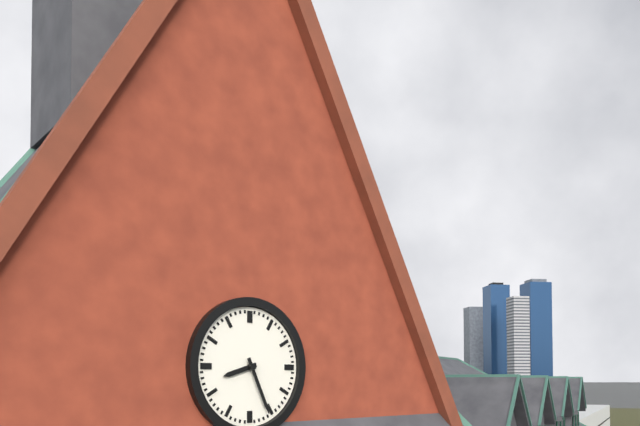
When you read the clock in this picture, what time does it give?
8:26
